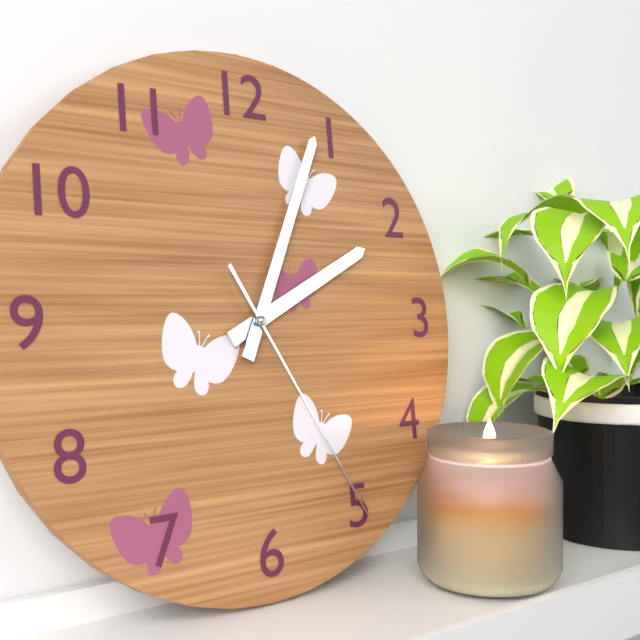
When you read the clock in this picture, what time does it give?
2:04:25
